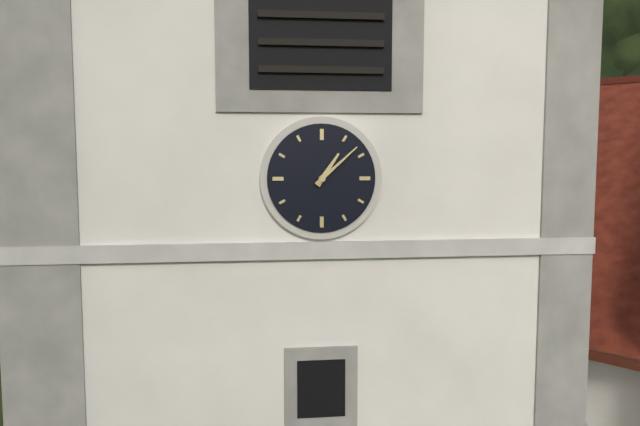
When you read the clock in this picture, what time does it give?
1:08
